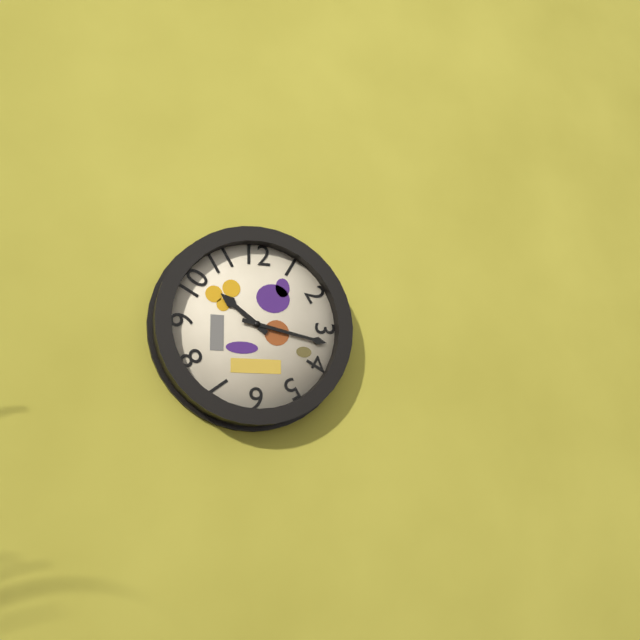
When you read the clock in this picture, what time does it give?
10:17
